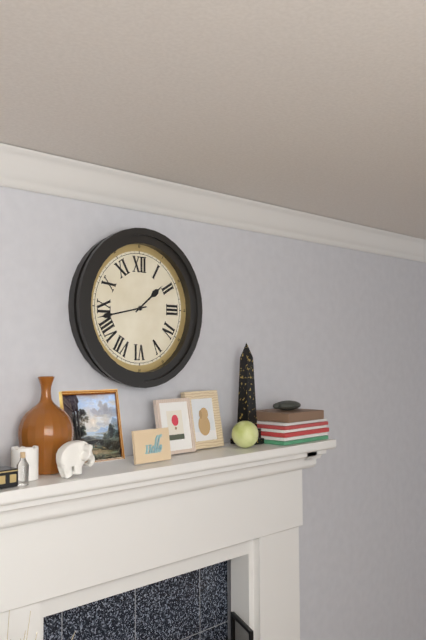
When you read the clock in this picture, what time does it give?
1:43
